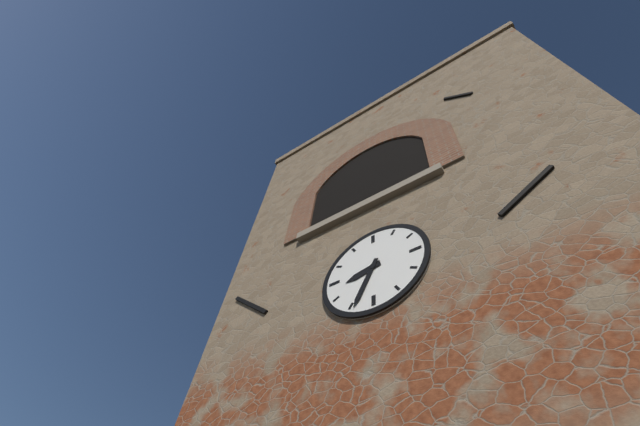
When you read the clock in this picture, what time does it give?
8:34
